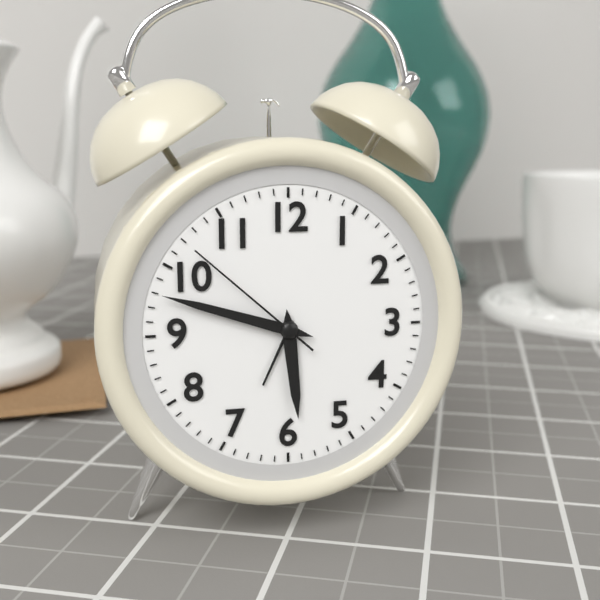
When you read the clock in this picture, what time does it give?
5:48:52
